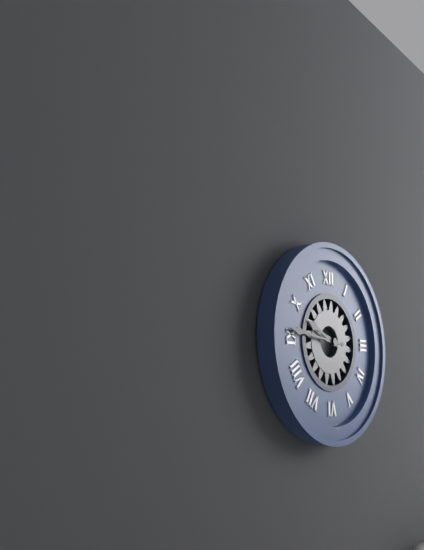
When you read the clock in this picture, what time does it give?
9:46
